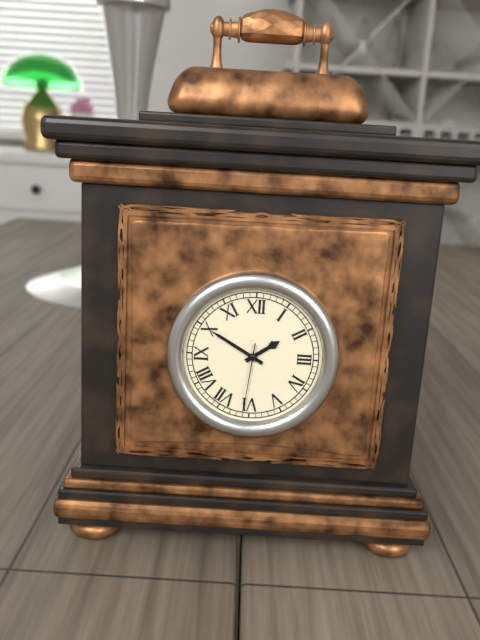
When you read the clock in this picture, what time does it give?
1:50:31
